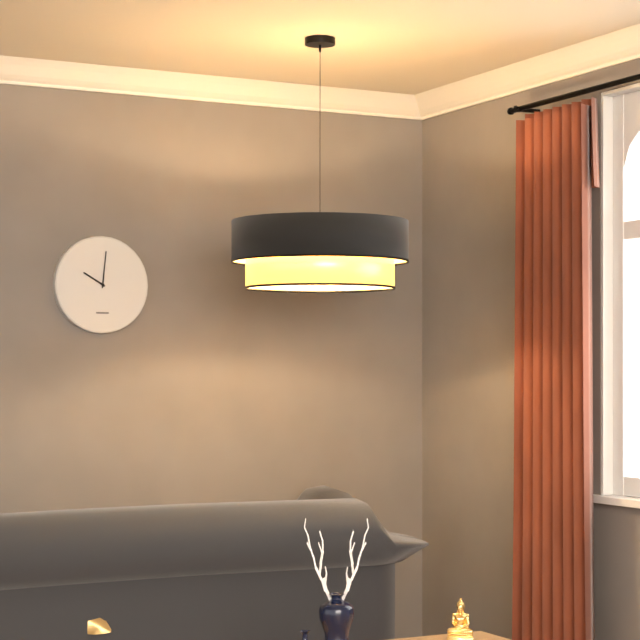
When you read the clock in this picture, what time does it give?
10:01
